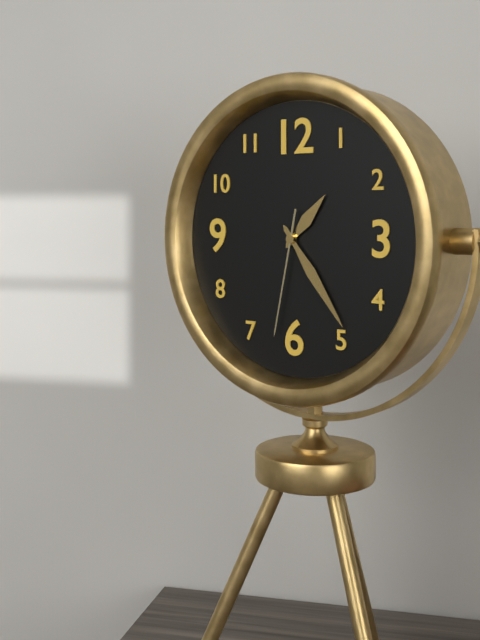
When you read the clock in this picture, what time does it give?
1:24:32
